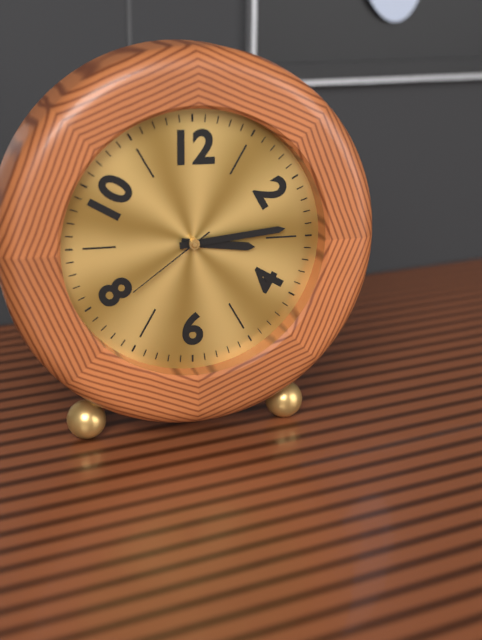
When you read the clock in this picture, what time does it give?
3:14:39
